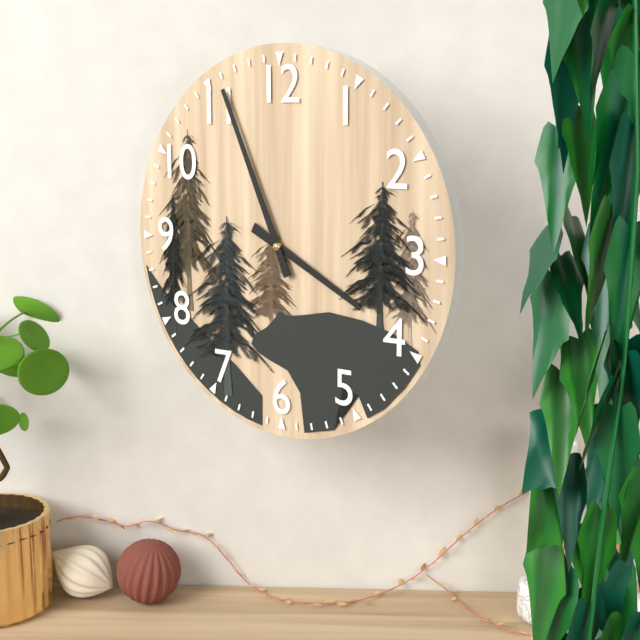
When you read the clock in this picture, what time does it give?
3:56
